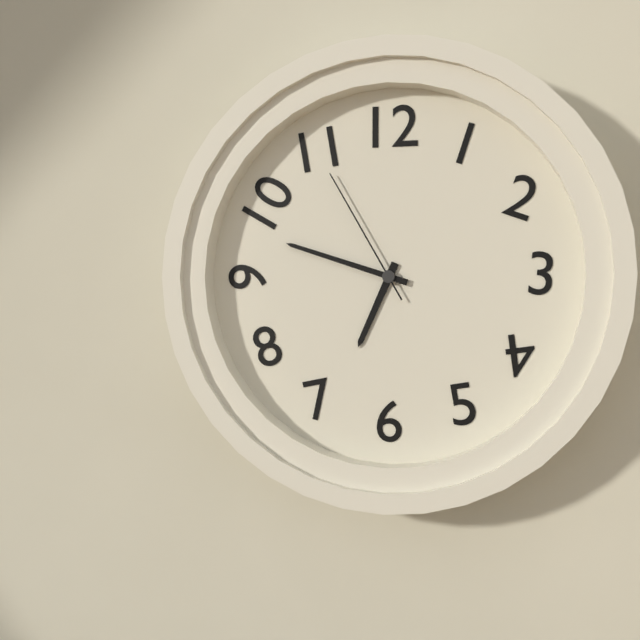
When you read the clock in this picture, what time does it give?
6:48:55
